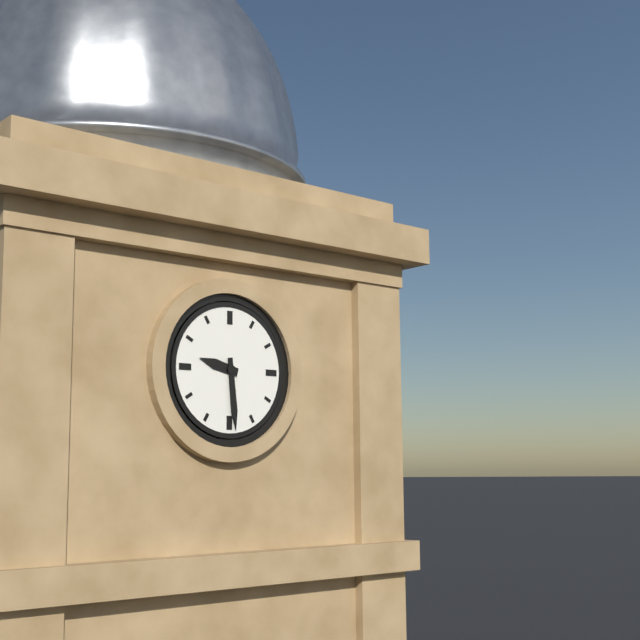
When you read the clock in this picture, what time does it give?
9:29
